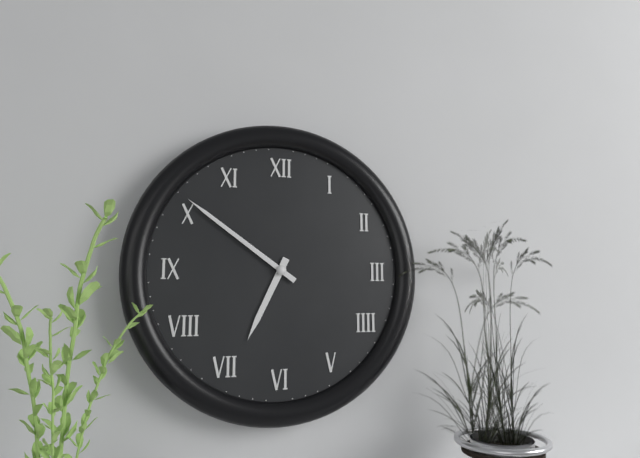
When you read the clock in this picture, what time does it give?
6:51
